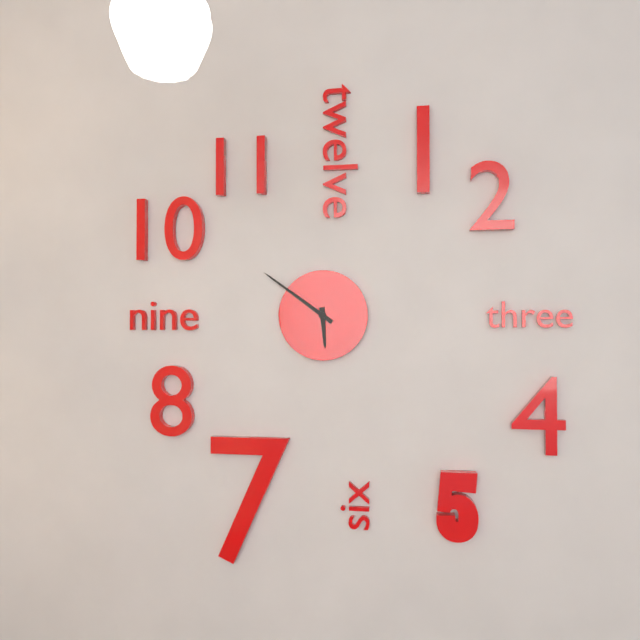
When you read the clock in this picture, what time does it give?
5:51
